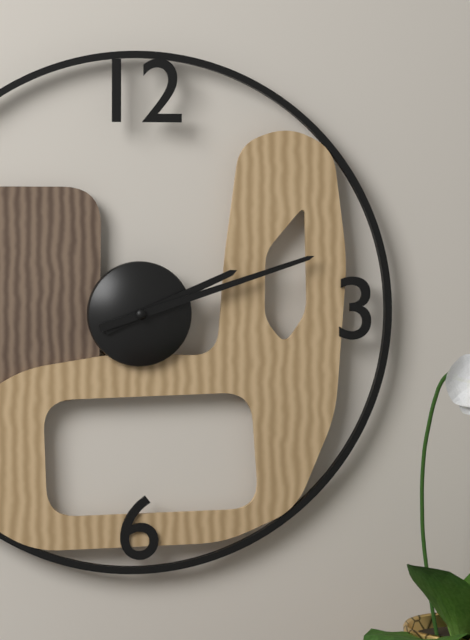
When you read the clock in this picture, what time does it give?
2:12
